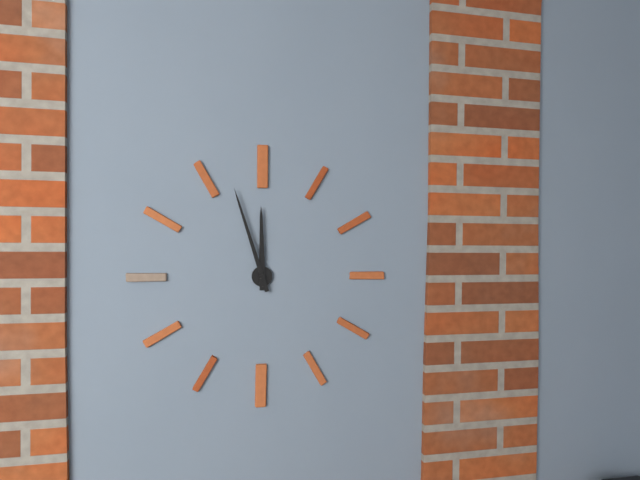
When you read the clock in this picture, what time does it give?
11:57
